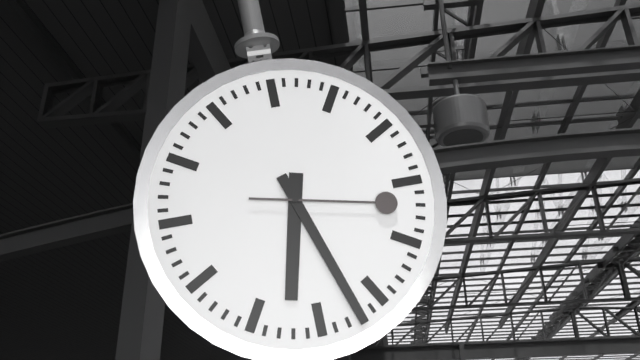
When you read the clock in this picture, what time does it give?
6:27:17
